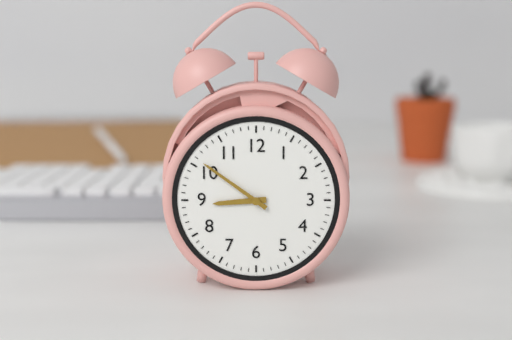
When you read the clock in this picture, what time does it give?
8:51
